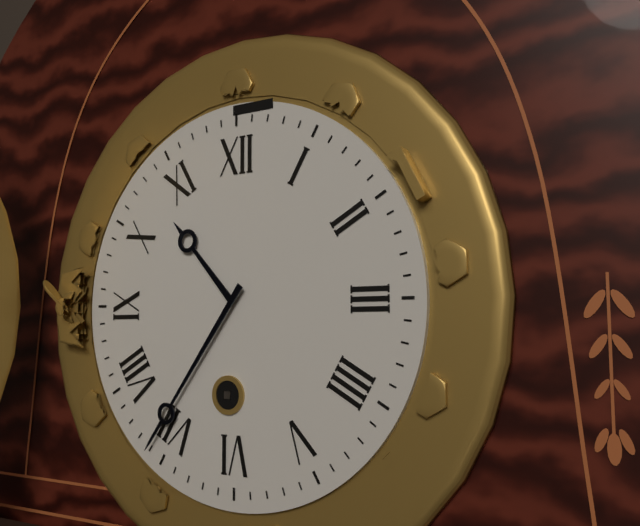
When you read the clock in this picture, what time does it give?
10:36
